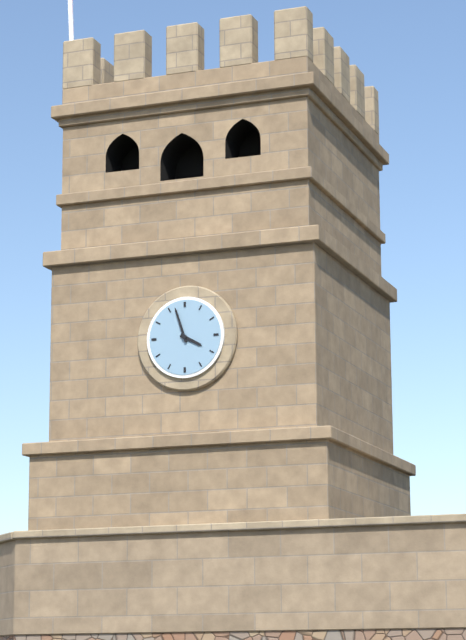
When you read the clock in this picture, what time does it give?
3:57
